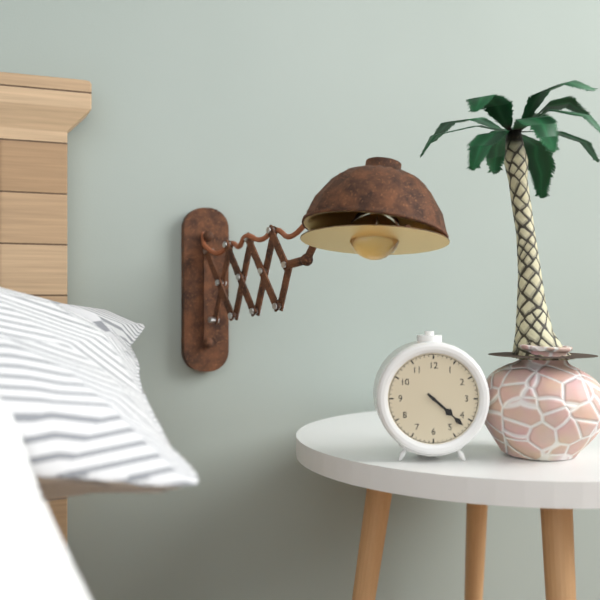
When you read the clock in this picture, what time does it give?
4:22
